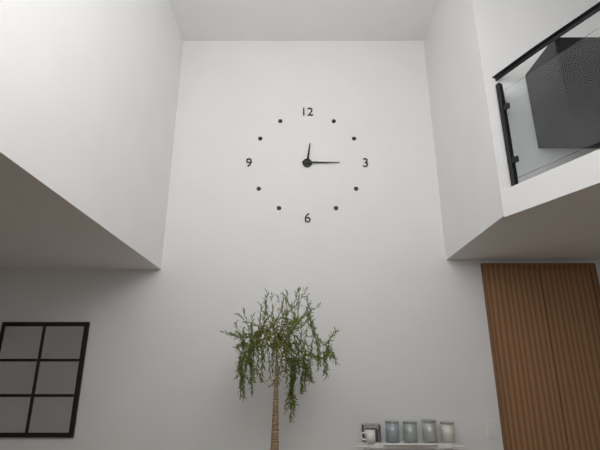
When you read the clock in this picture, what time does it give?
12:15
